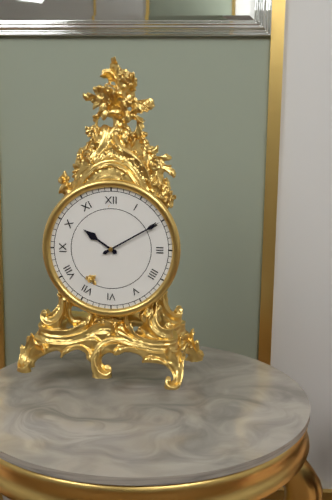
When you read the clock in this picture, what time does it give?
10:10
